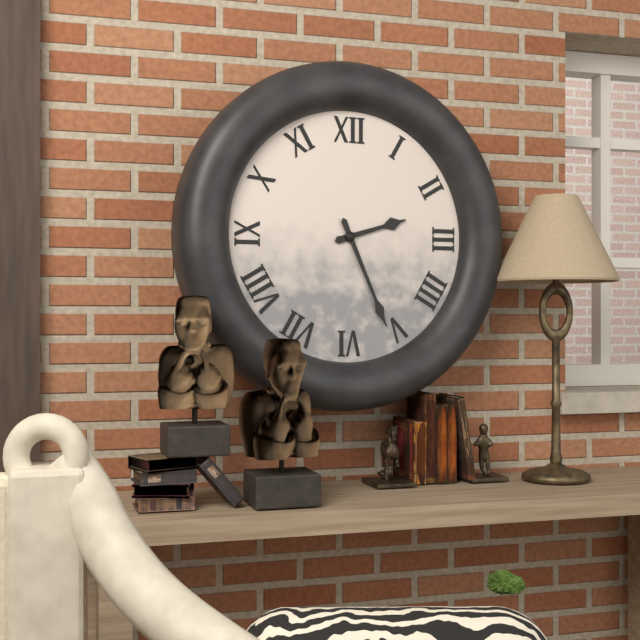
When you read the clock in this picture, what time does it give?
2:26
